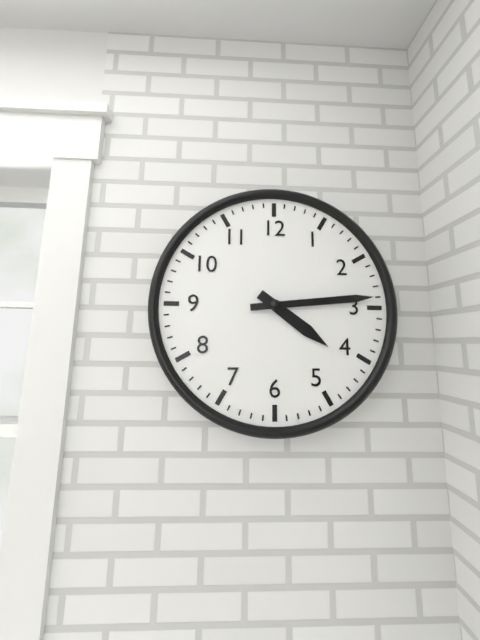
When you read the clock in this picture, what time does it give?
4:14
